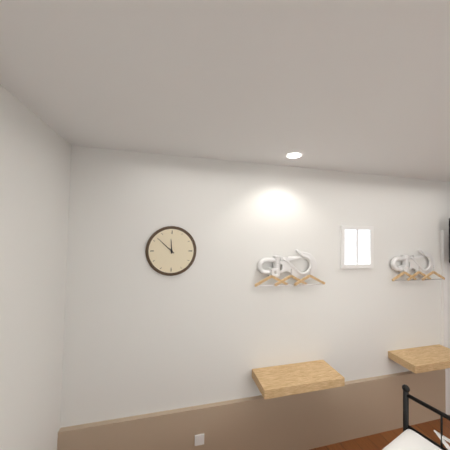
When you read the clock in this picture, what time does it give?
11:52
